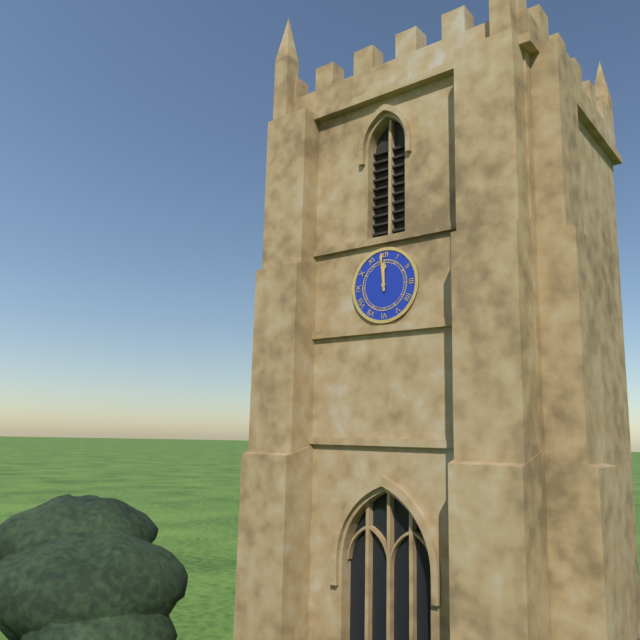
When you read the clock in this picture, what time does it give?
11:59
